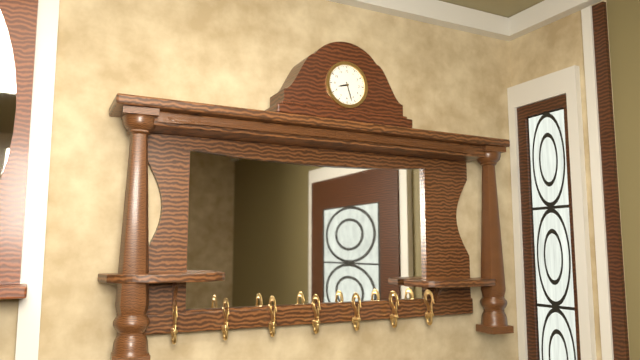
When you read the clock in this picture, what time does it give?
8:27
